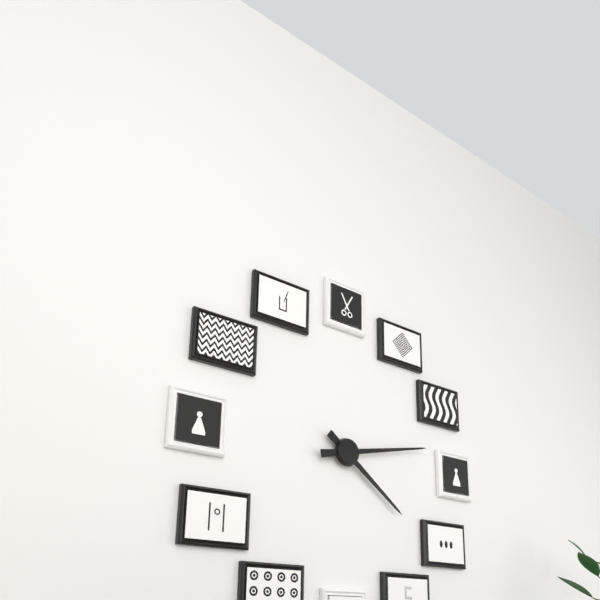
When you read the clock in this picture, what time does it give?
4:13
